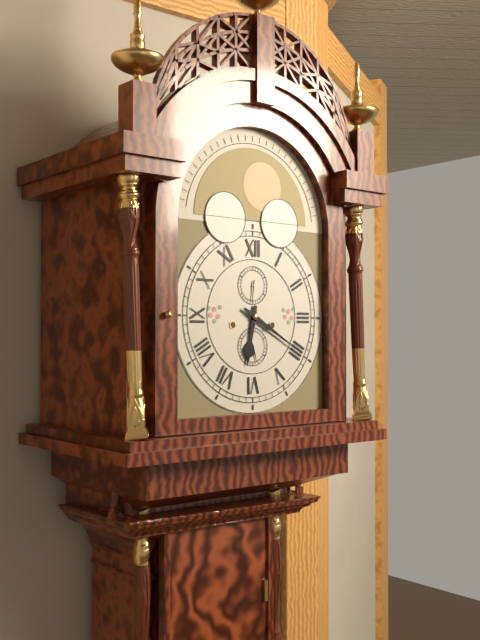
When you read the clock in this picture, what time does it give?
6:20
